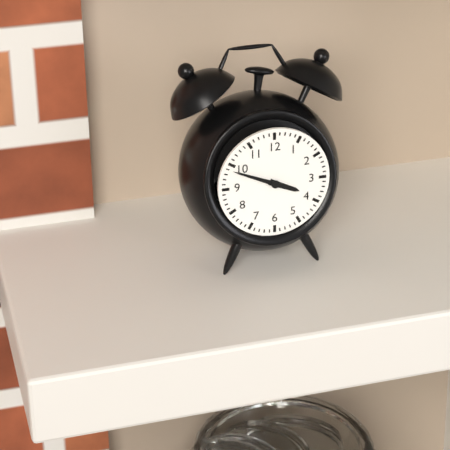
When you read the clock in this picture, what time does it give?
3:49
